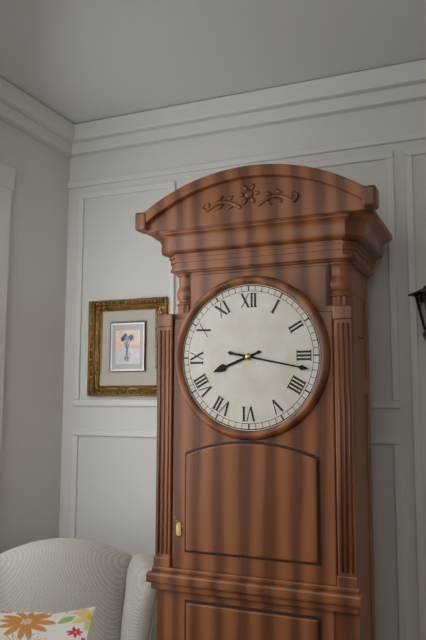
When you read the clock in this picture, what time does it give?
8:17
